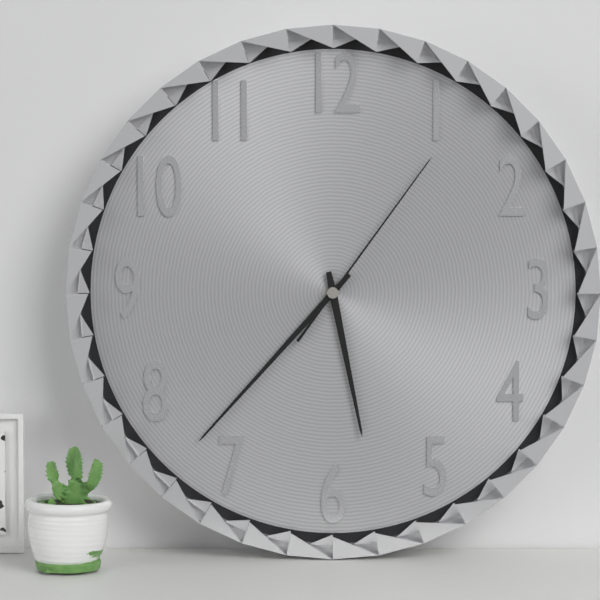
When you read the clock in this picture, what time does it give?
5:37:06
